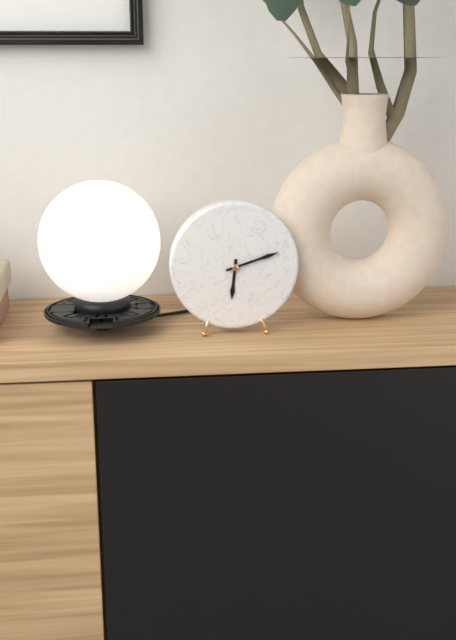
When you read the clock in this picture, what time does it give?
6:12
